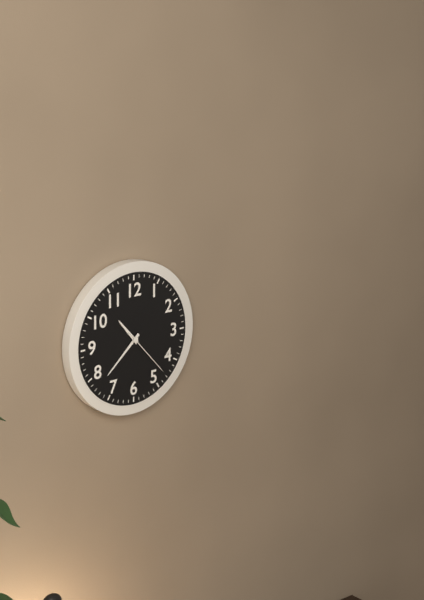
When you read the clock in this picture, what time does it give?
10:38:23
